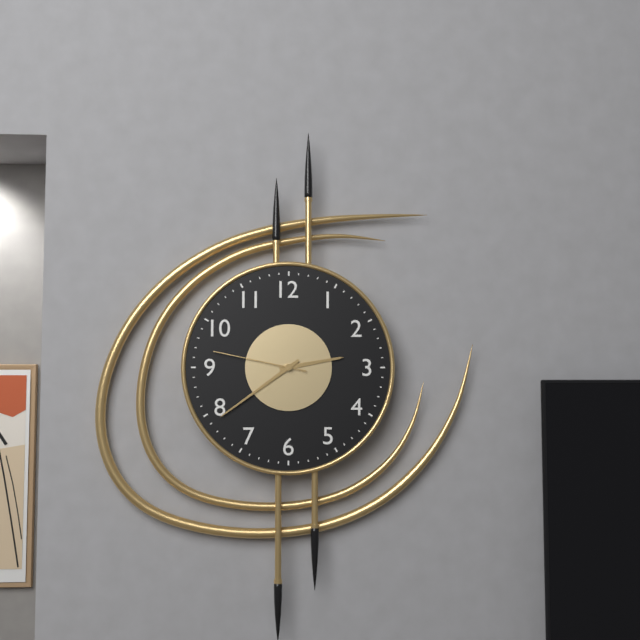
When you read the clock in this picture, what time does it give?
2:39:47
